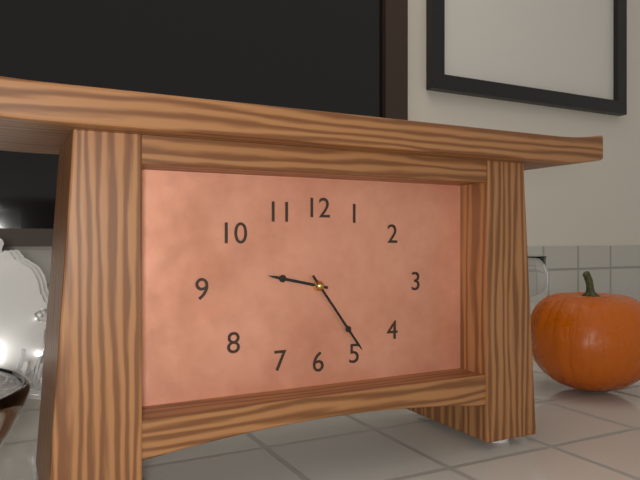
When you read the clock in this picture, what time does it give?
9:24
